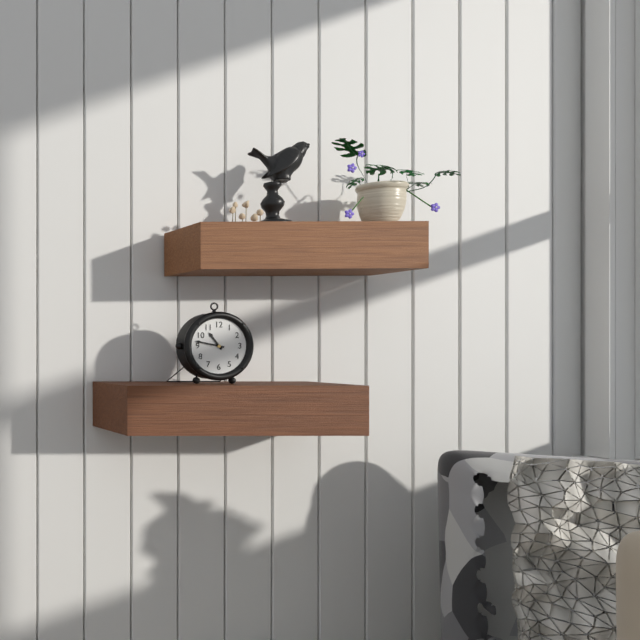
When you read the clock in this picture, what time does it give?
10:47
